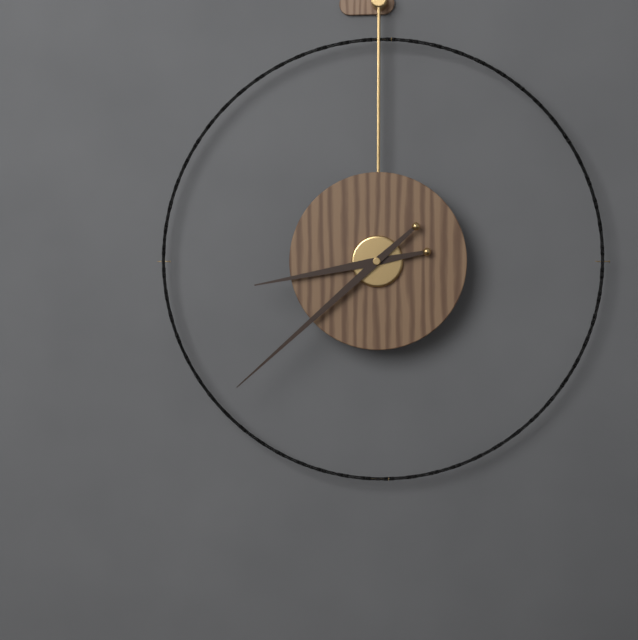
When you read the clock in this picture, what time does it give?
8:38
